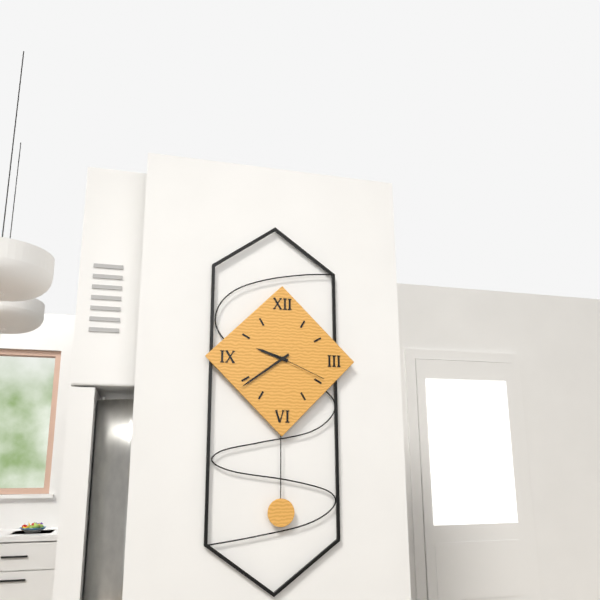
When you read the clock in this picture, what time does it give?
9:39:19
